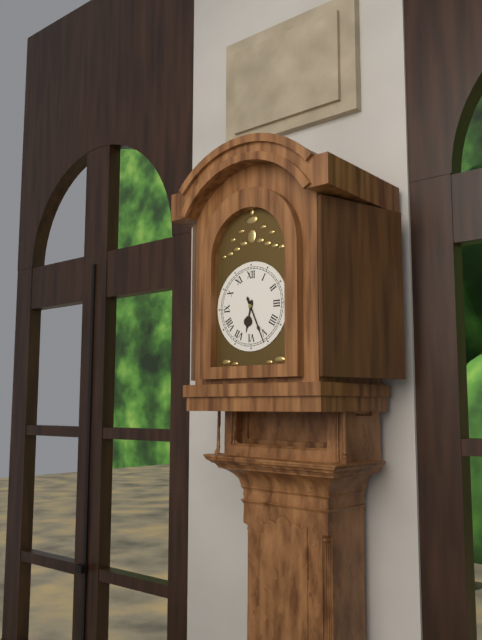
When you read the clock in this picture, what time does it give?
6:26
